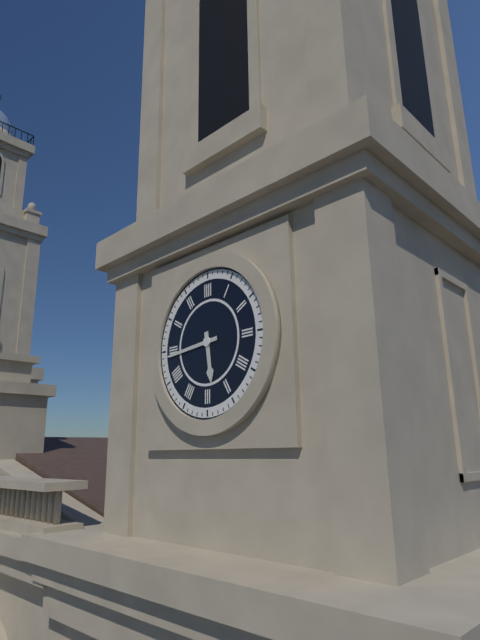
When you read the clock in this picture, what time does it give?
5:44
